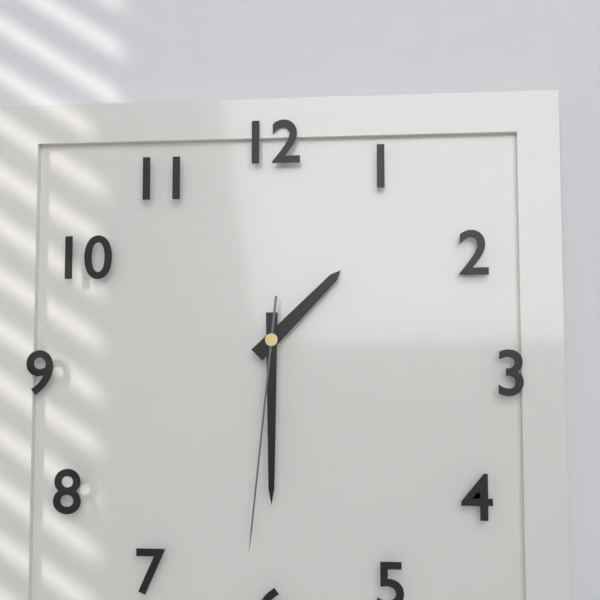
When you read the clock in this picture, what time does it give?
1:30:31
